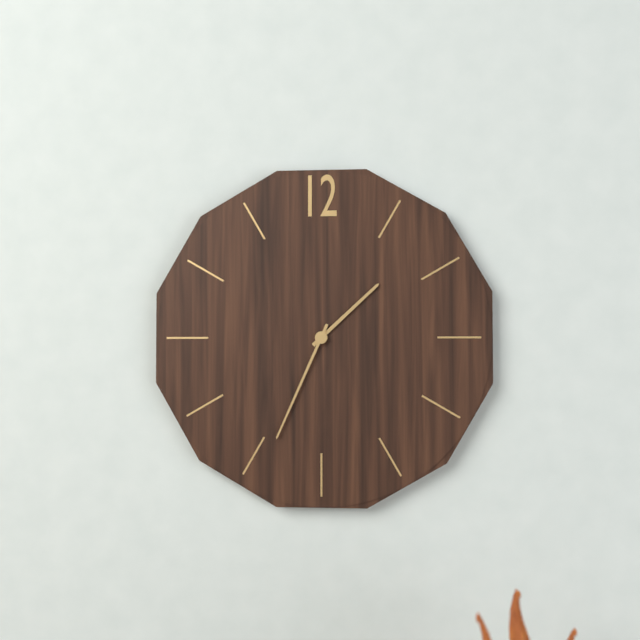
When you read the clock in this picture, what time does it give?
1:34
